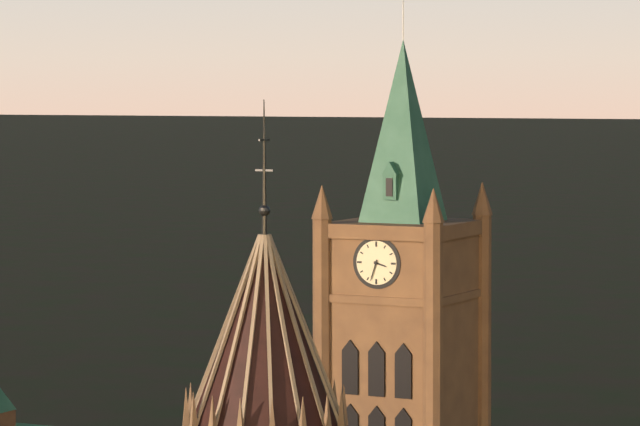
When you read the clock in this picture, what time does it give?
3:33
